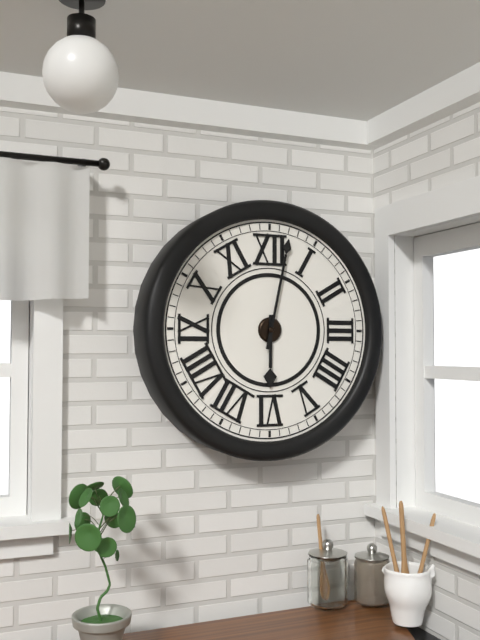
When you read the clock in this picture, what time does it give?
6:02
